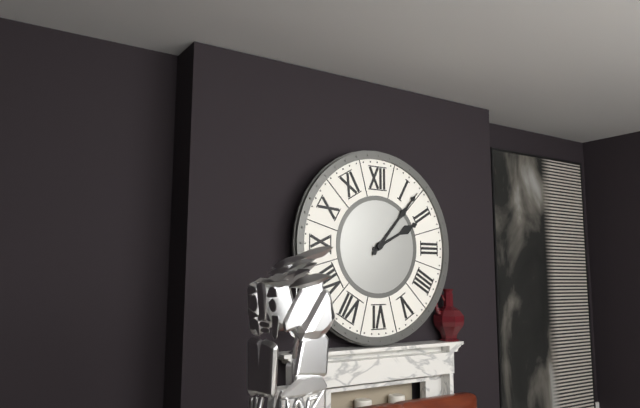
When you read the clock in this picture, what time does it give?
2:07
